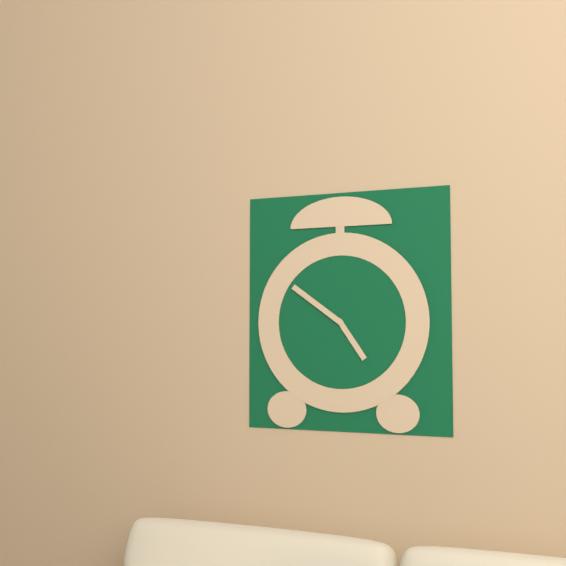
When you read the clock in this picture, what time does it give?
4:51
